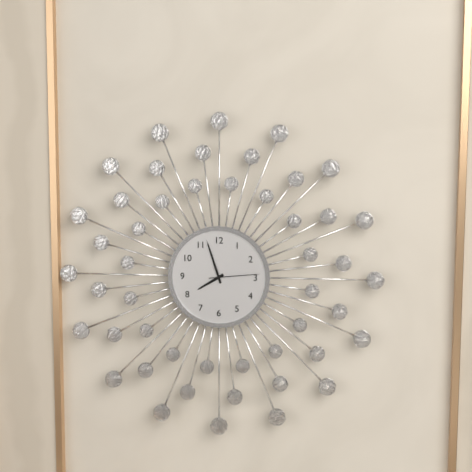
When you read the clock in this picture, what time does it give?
7:57:14
